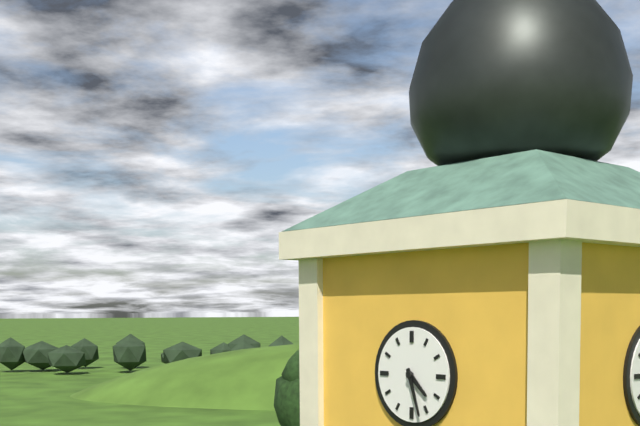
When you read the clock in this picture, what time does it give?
4:27
